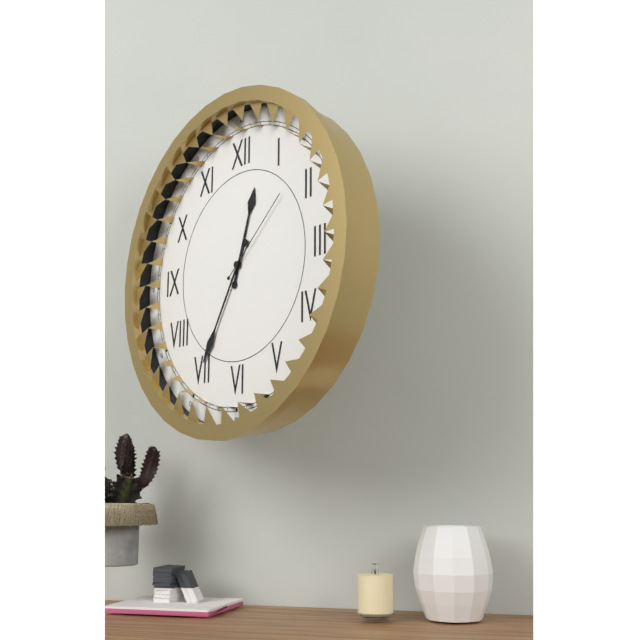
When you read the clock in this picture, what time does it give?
12:35:08
